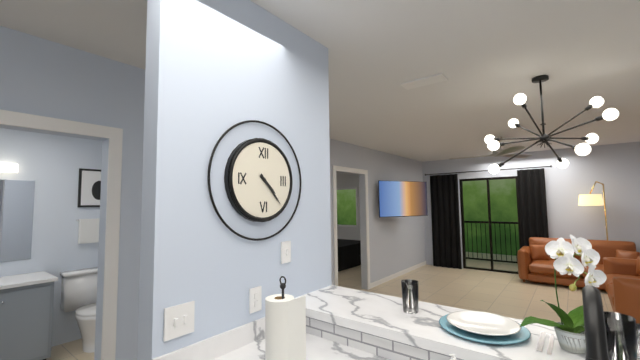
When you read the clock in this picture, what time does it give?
4:23
